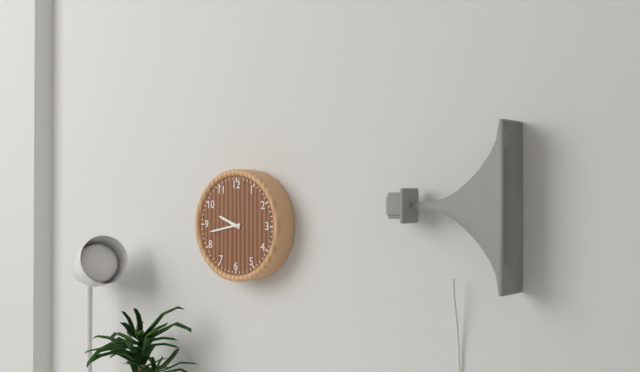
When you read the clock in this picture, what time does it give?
9:43
